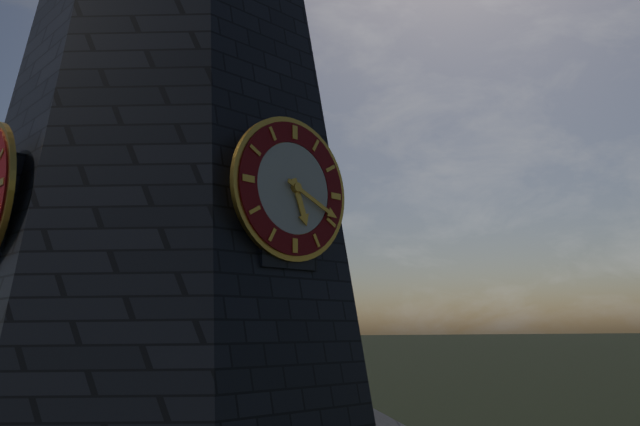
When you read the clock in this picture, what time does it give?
5:19
